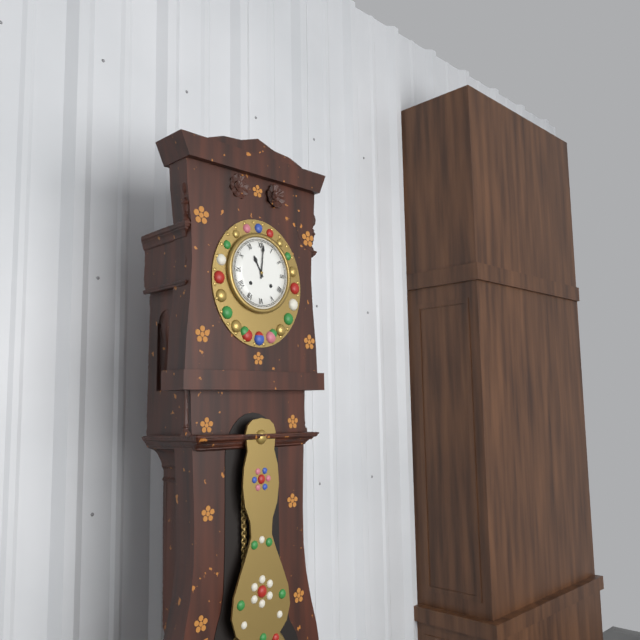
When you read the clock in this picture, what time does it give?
11:01
